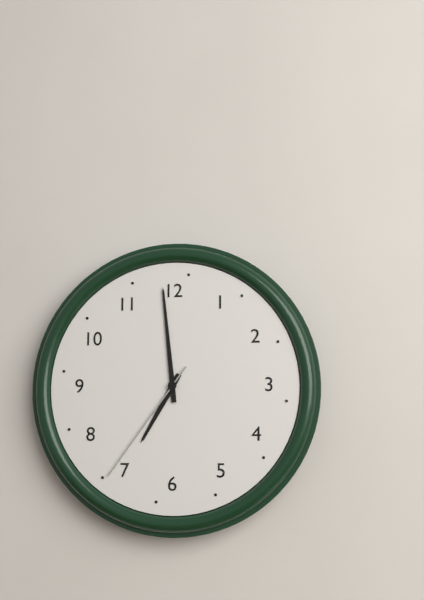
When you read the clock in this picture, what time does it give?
6:59:36
